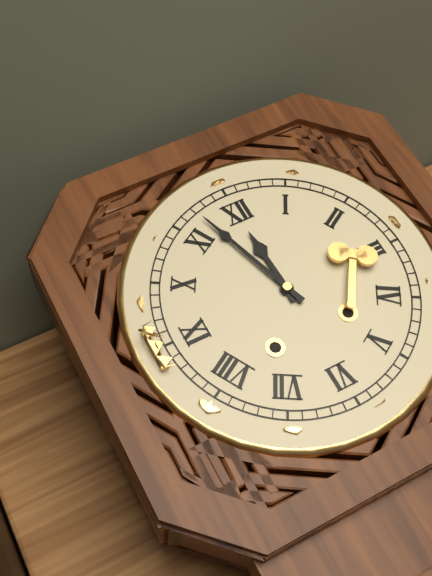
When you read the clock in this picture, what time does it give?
11:57
